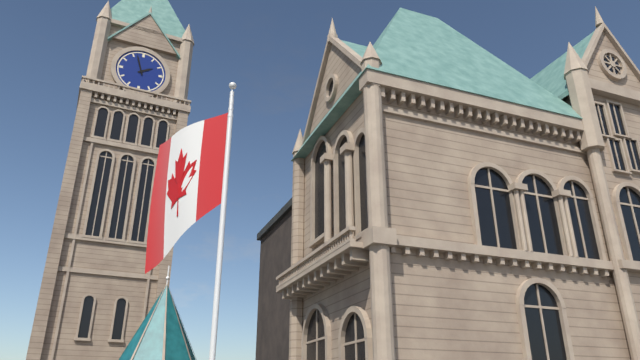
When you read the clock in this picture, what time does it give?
1:57
